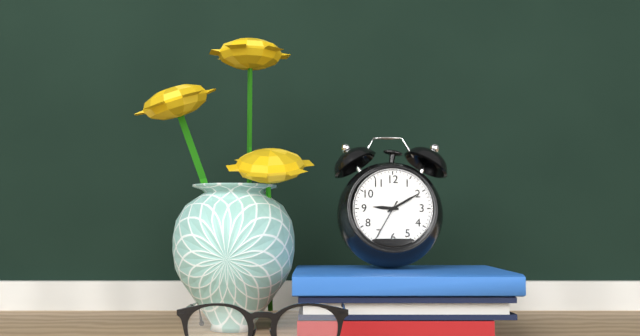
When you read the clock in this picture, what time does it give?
9:10
